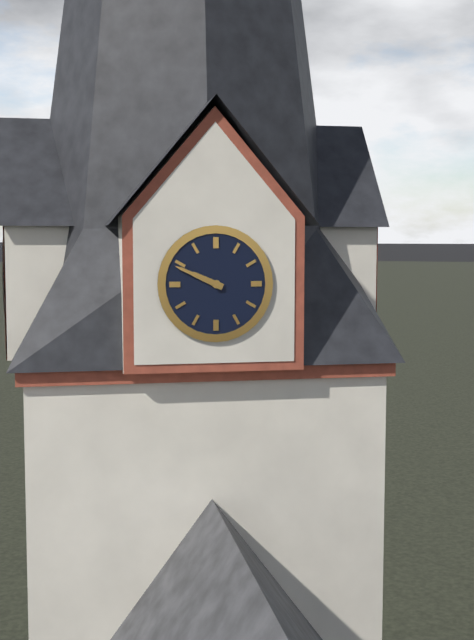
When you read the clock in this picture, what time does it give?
9:49
